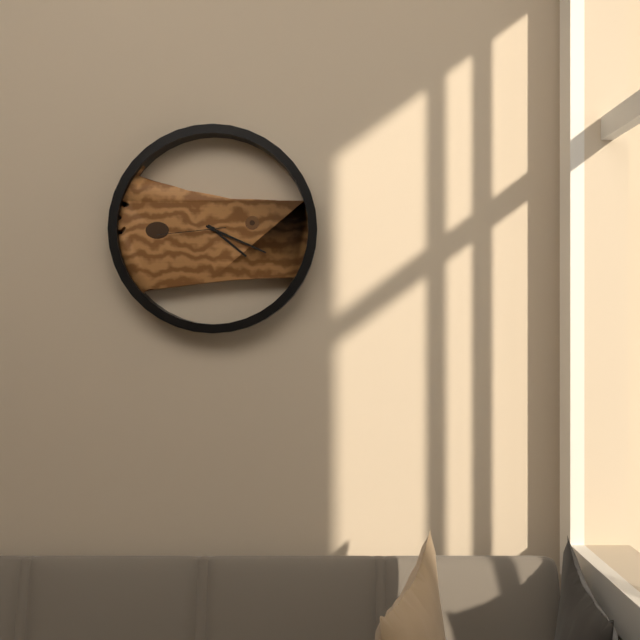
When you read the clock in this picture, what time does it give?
4:19:44
